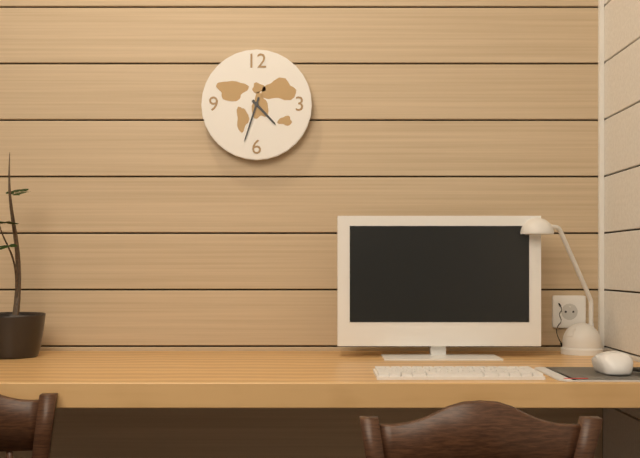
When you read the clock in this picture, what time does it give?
4:33
